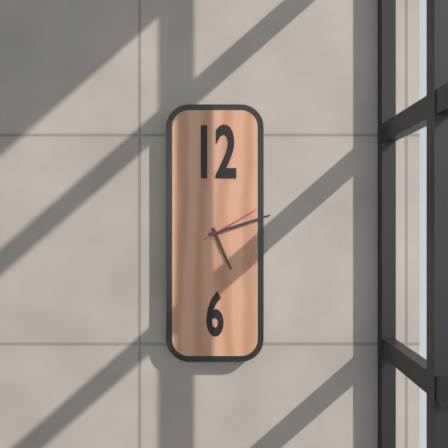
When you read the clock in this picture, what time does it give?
5:12:10
